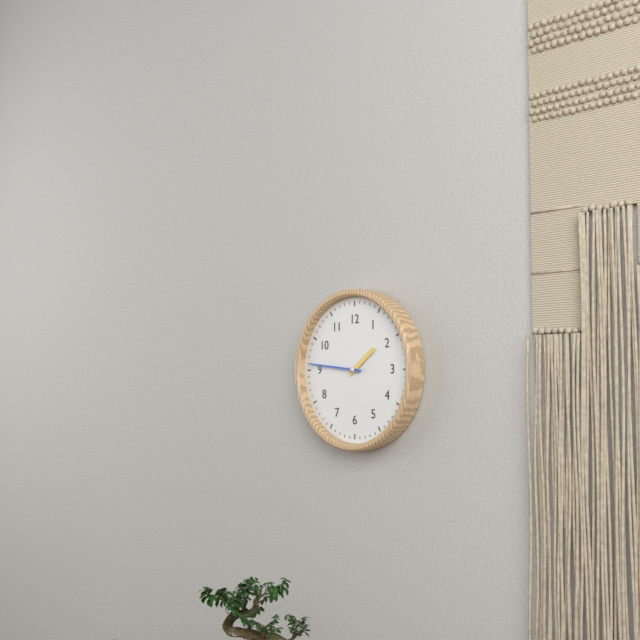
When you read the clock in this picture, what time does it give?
1:46
